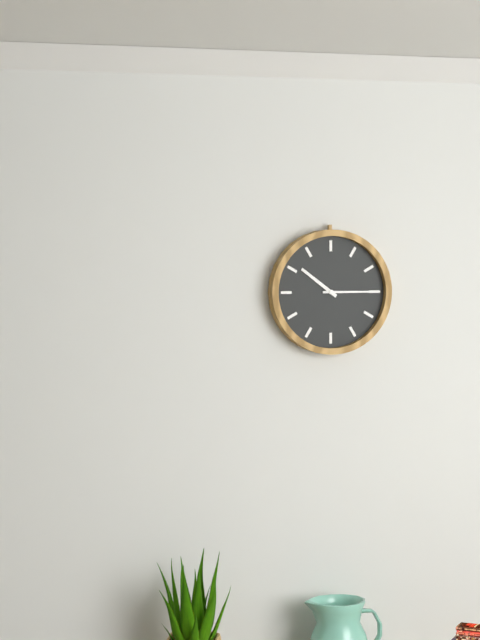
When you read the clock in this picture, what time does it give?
10:15
